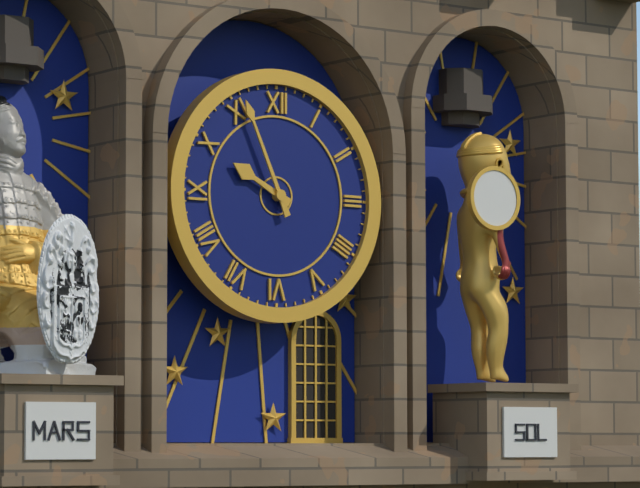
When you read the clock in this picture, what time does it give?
9:56
